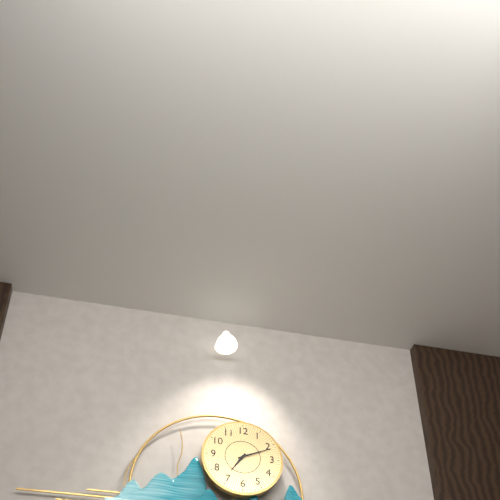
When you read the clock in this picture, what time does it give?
7:11
